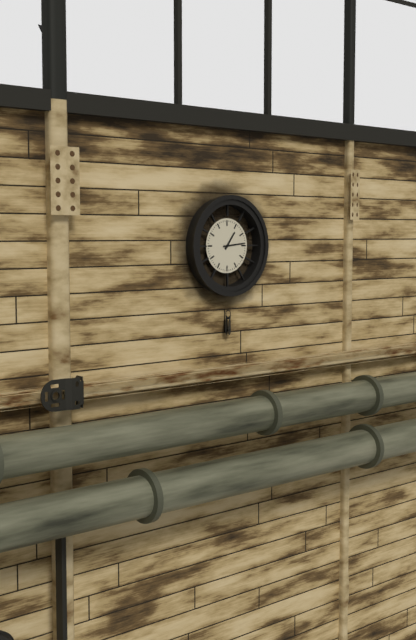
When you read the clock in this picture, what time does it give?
1:14
